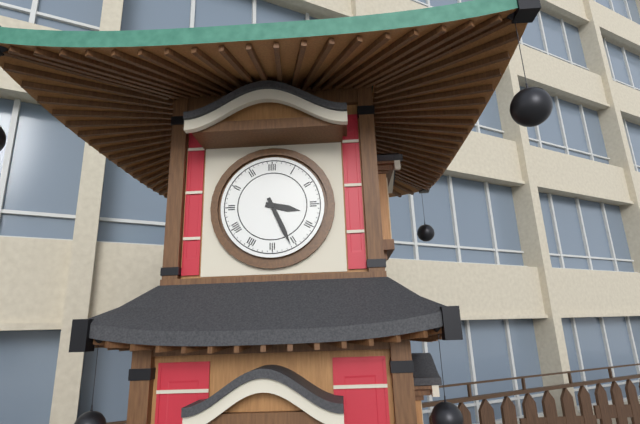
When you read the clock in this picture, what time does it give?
3:26
